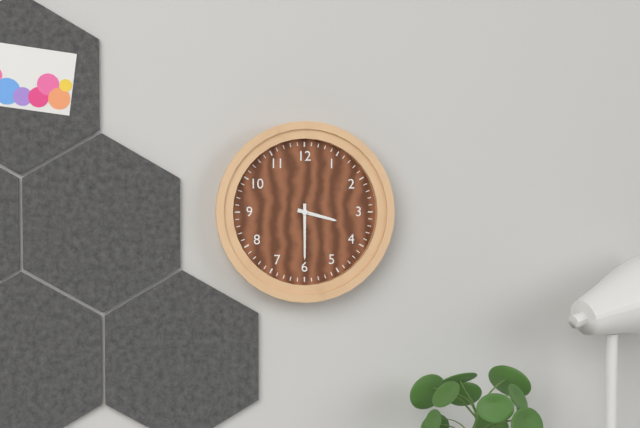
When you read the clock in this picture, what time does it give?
3:30
